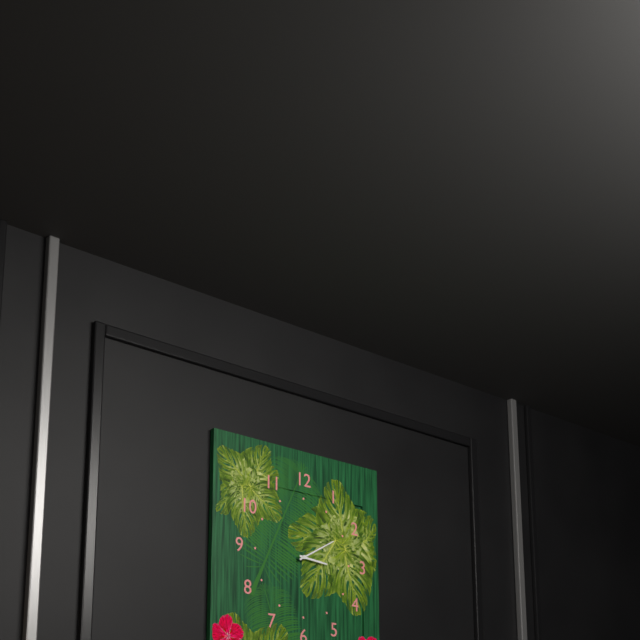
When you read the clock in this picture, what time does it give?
3:10
